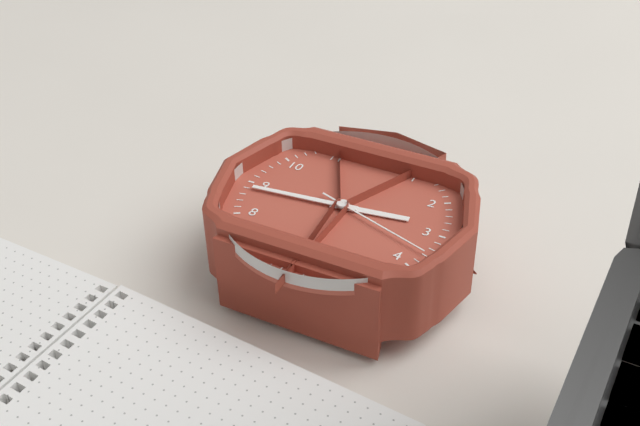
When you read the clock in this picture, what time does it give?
2:44:18
